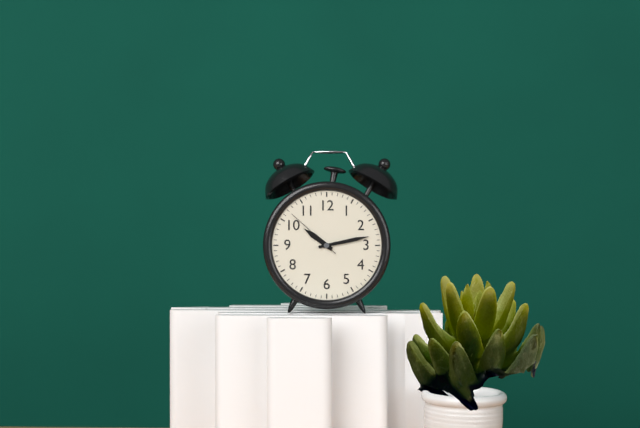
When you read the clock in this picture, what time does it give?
10:13:52
